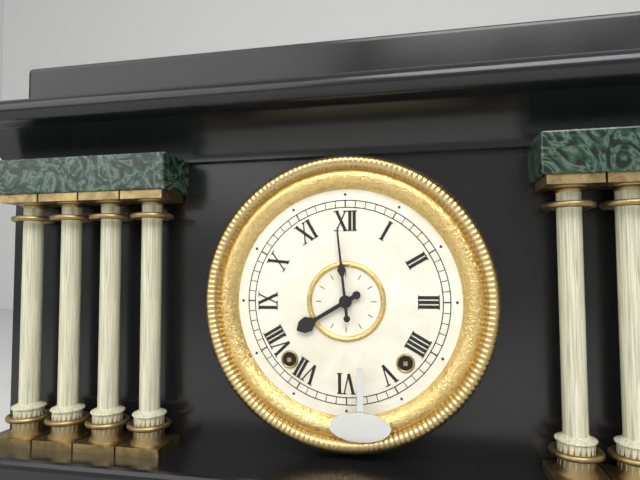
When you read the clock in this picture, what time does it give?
7:59
